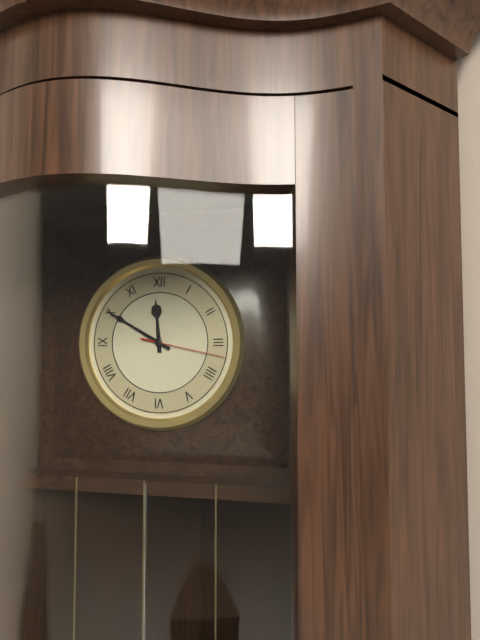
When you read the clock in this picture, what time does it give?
11:50:17
